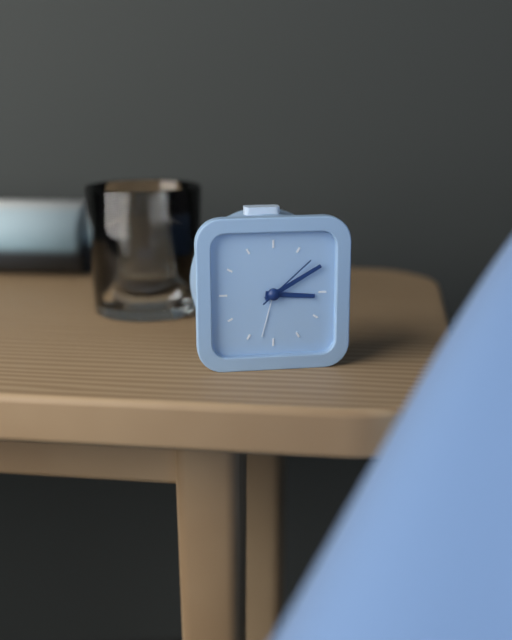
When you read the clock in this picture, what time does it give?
3:10:08
